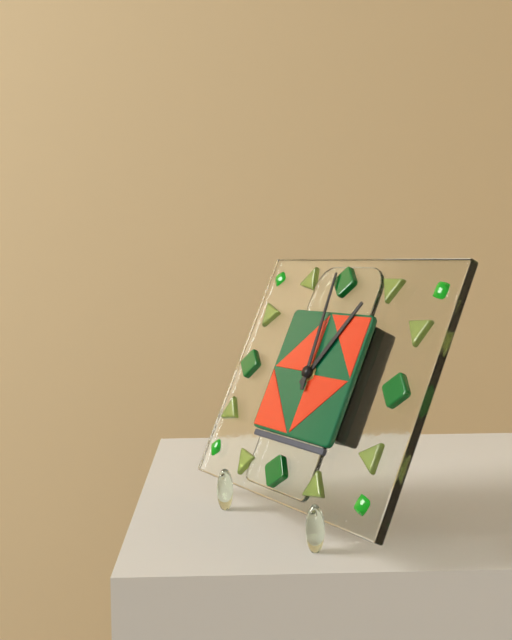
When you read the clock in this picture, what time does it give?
12:59
